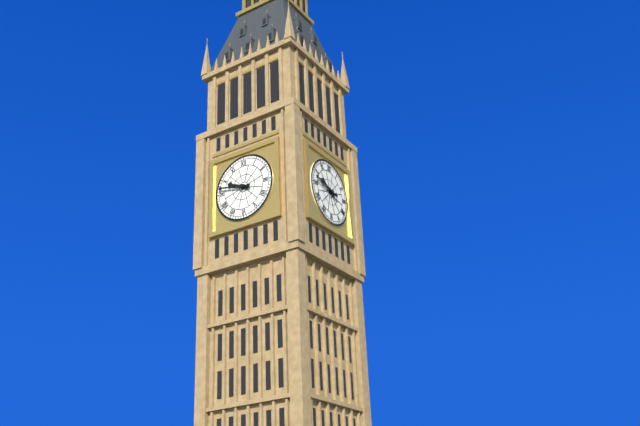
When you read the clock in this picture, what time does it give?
9:47
